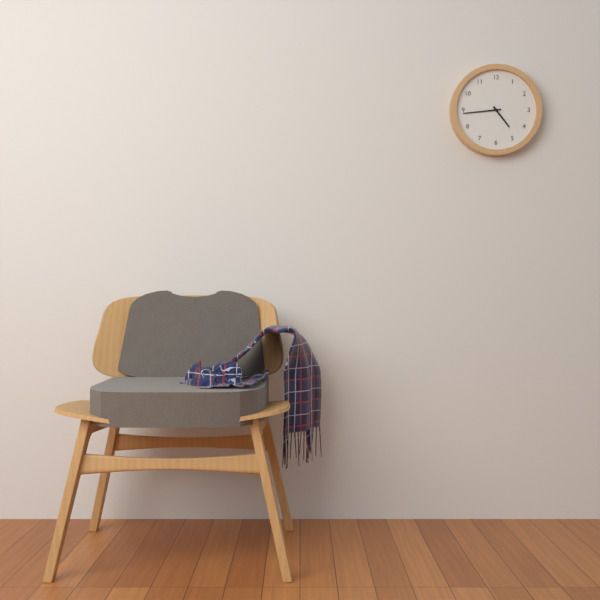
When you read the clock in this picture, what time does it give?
4:44
